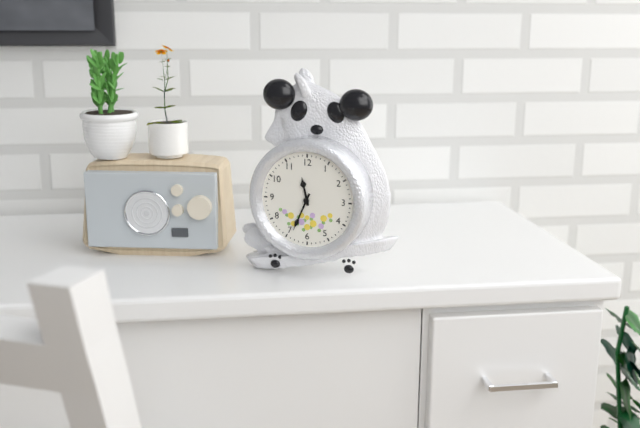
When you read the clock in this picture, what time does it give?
11:34
